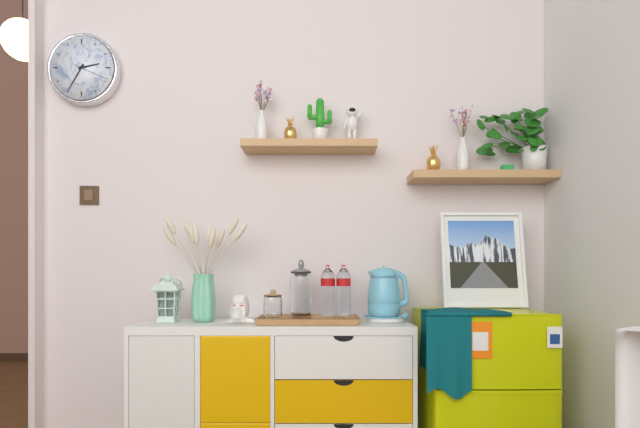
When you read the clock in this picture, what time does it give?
2:35
